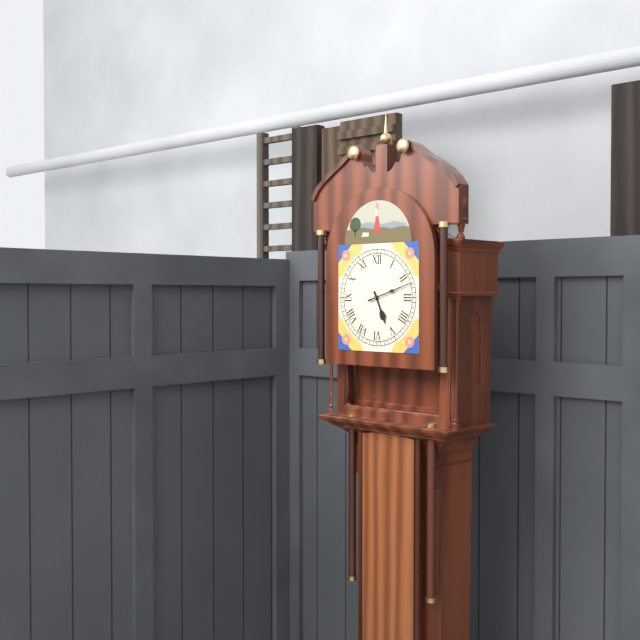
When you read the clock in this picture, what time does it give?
5:12
